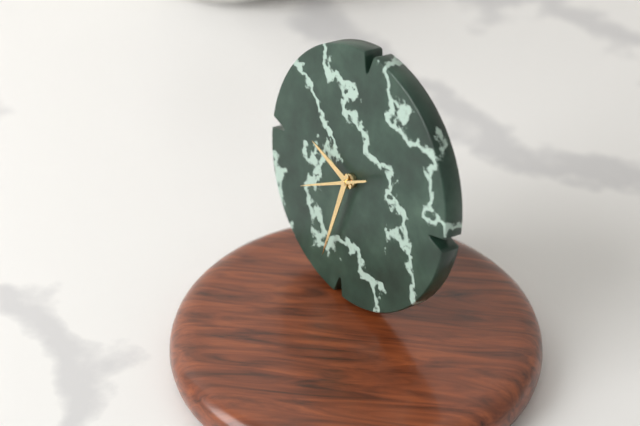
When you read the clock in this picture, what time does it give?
9:32:40
